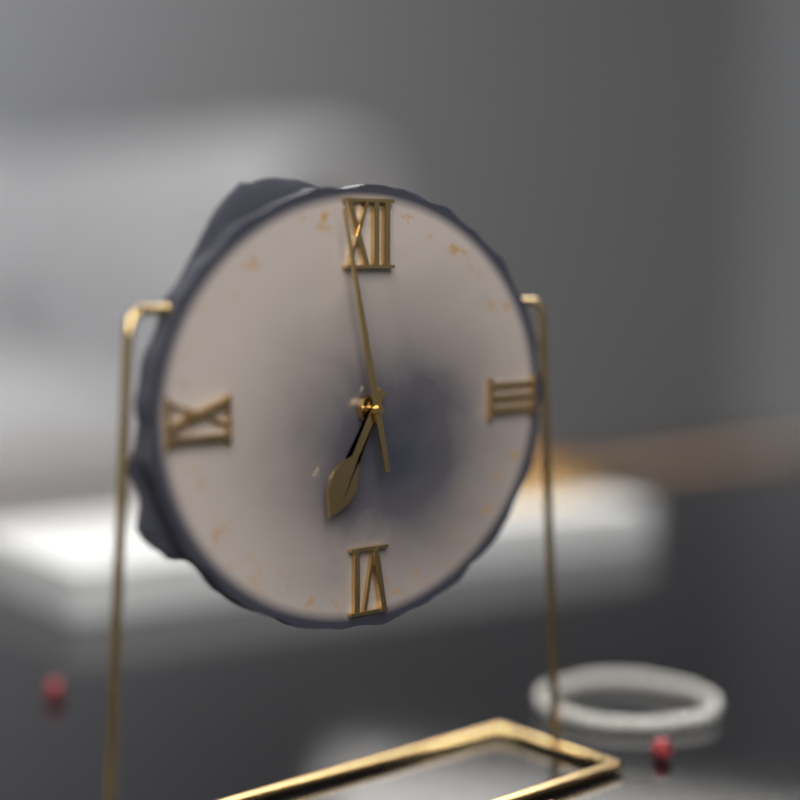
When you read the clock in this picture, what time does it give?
6:58
